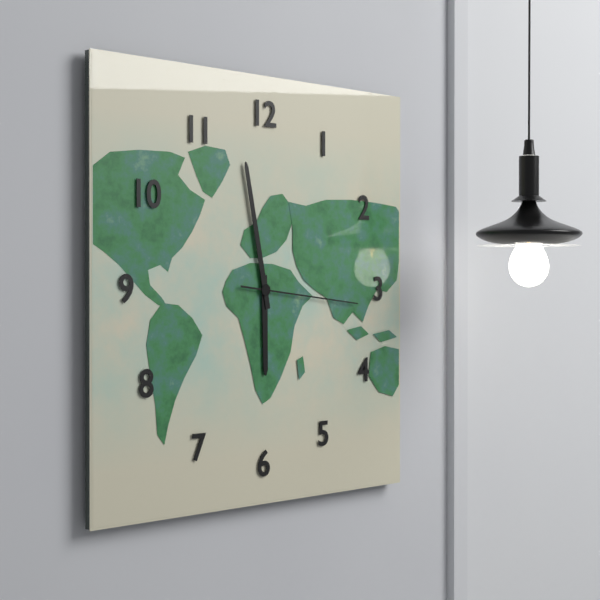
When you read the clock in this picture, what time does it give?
5:58:16
